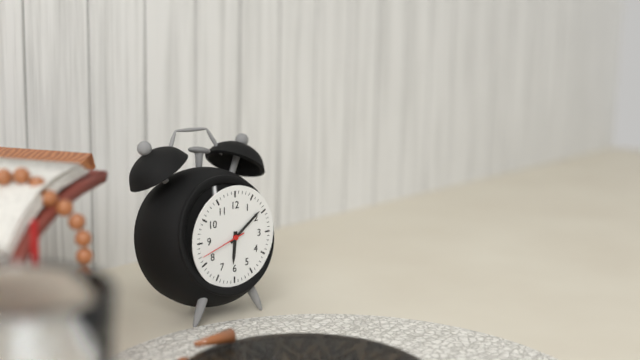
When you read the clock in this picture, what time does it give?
6:09
